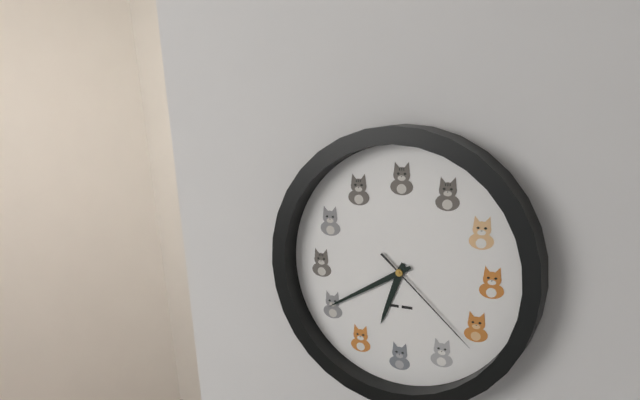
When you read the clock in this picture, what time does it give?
6:40:22
